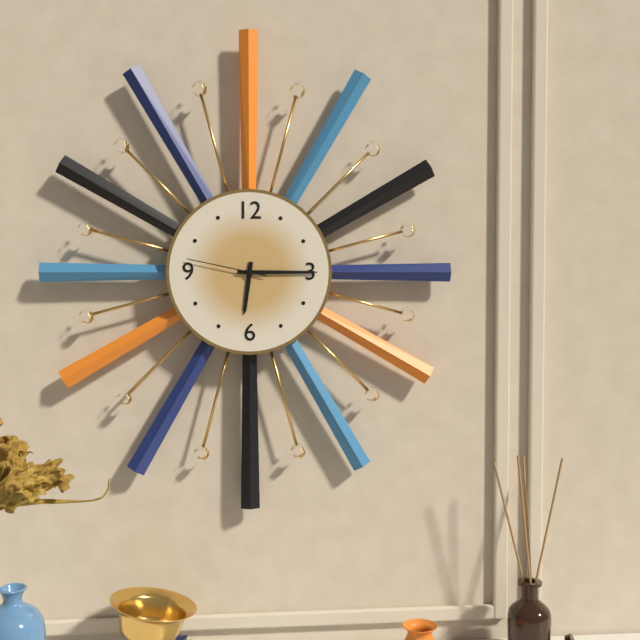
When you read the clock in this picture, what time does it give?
6:15:47
